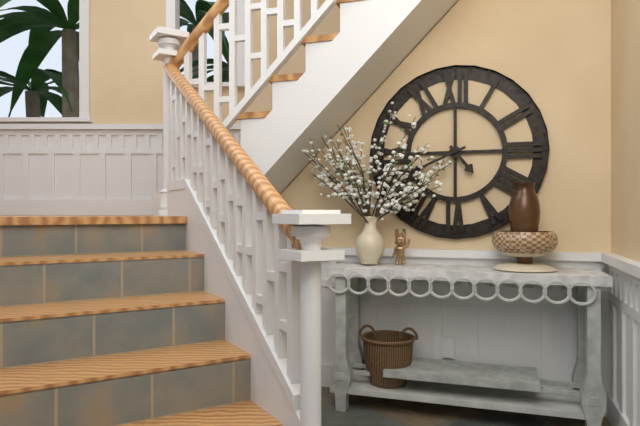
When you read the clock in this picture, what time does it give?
4:41
